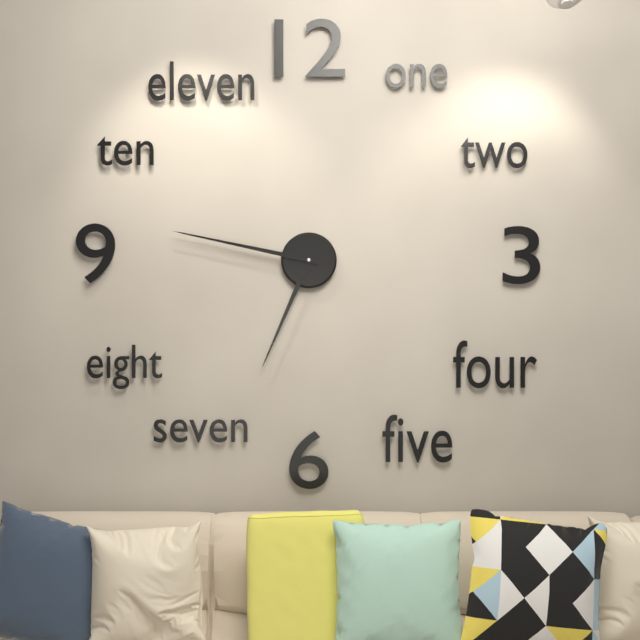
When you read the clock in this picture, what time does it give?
6:47
